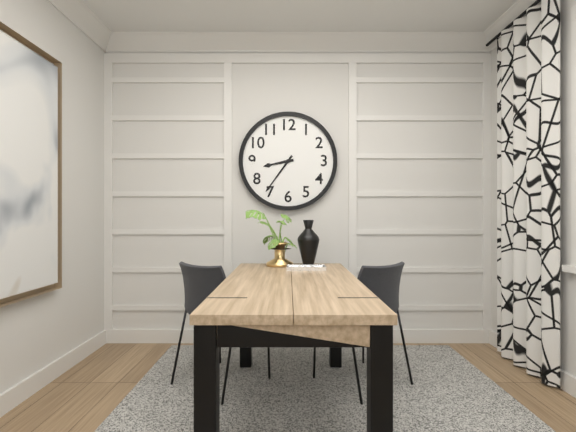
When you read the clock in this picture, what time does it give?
8:36
